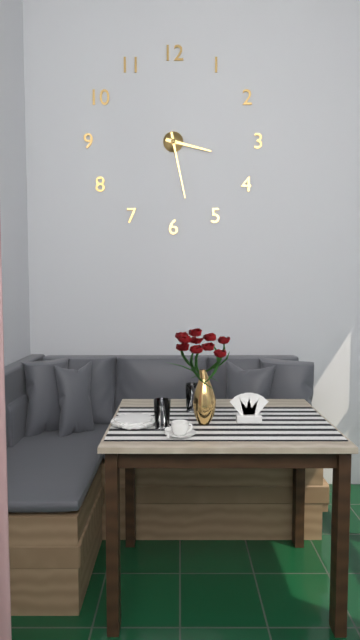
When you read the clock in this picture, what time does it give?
3:28
